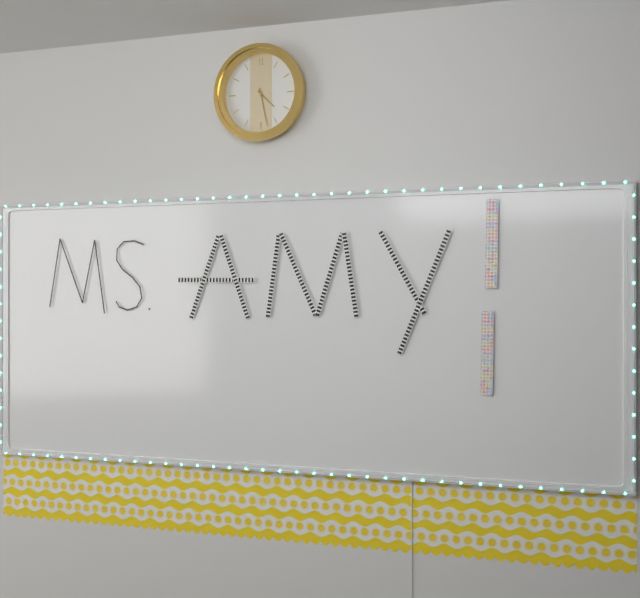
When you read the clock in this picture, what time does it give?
4:28
